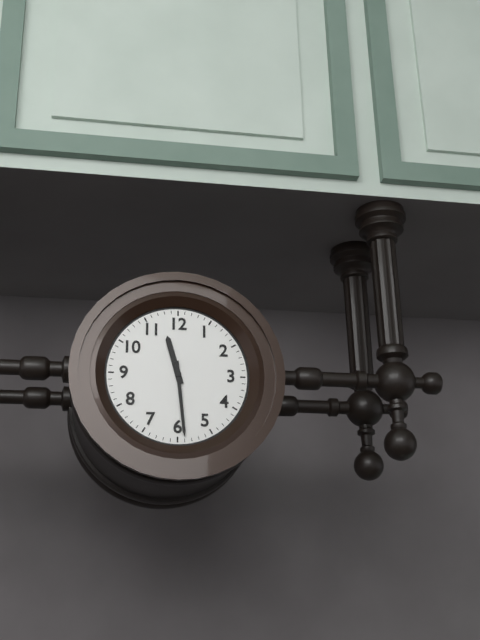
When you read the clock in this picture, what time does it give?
11:29
